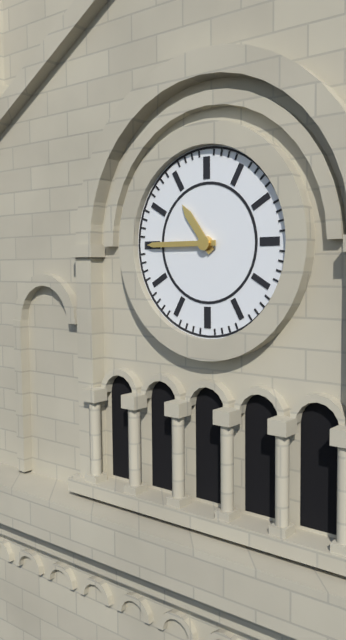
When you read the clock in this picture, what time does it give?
10:45
